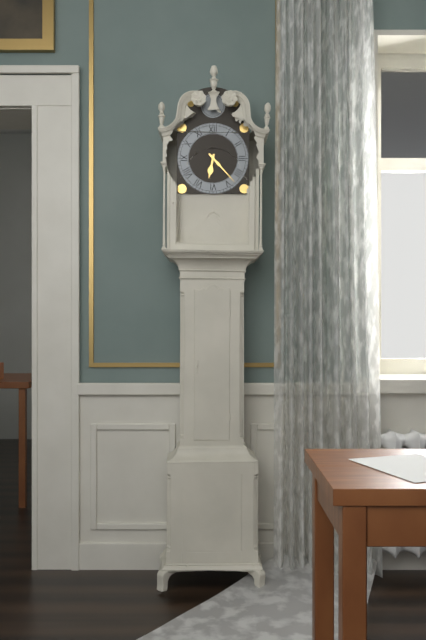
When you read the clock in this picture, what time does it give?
6:23
